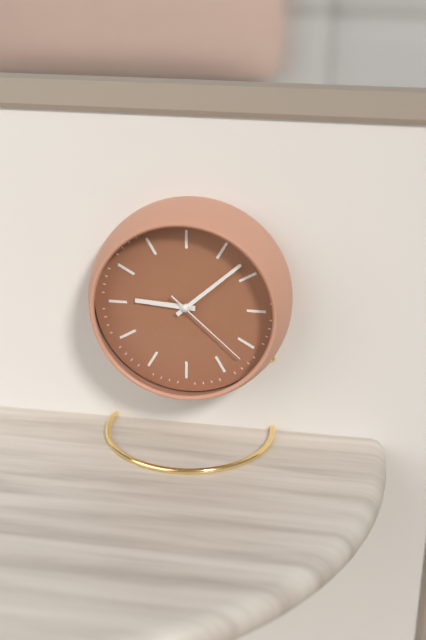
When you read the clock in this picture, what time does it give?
9:08:22
